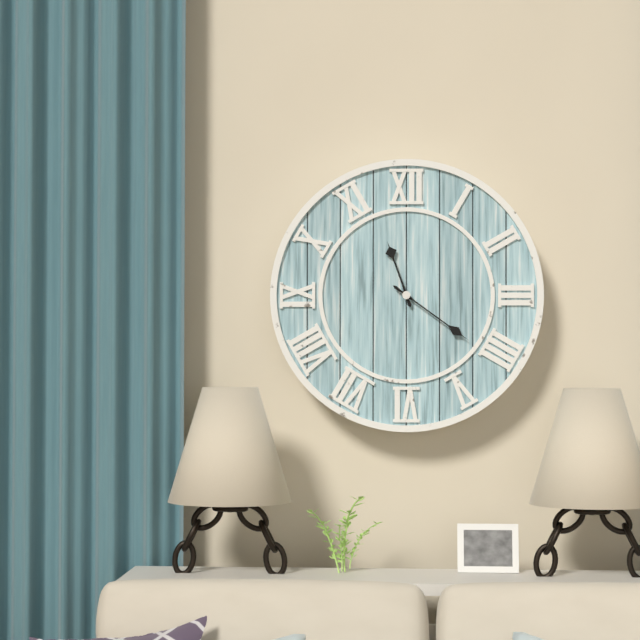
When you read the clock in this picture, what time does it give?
11:21
